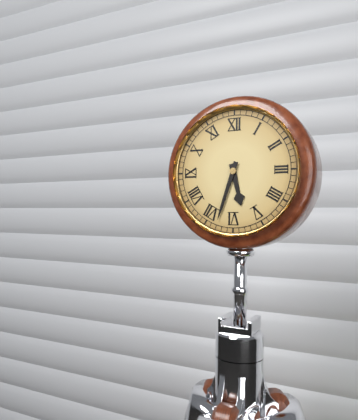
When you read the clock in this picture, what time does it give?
5:33
